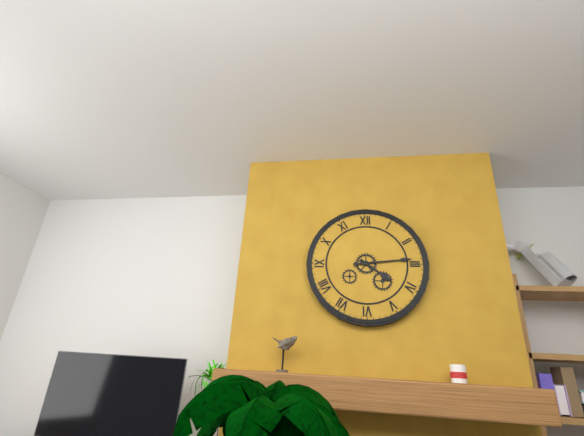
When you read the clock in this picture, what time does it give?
4:14
